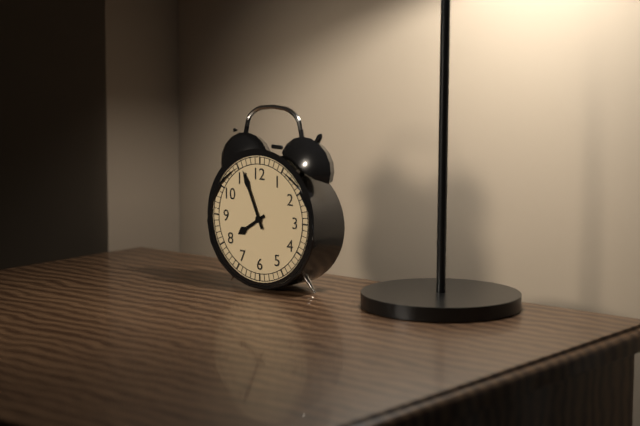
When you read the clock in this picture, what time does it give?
7:56
